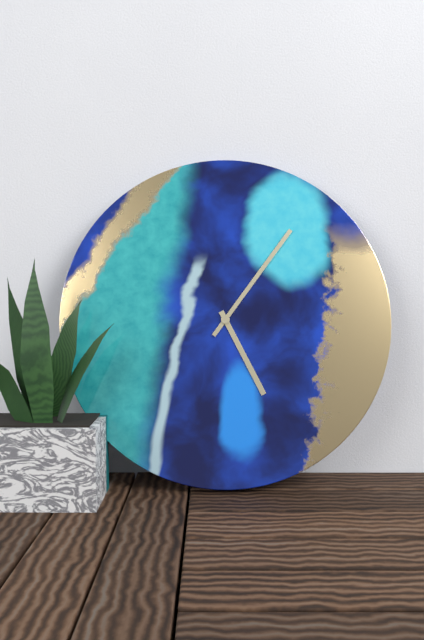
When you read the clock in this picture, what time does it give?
5:06
